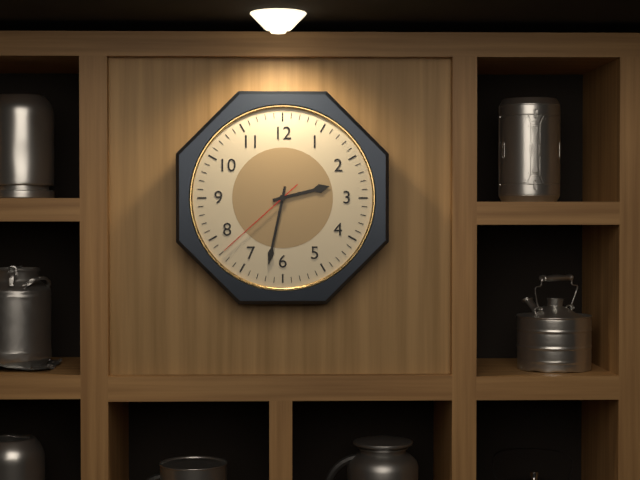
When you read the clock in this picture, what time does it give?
2:32:38
